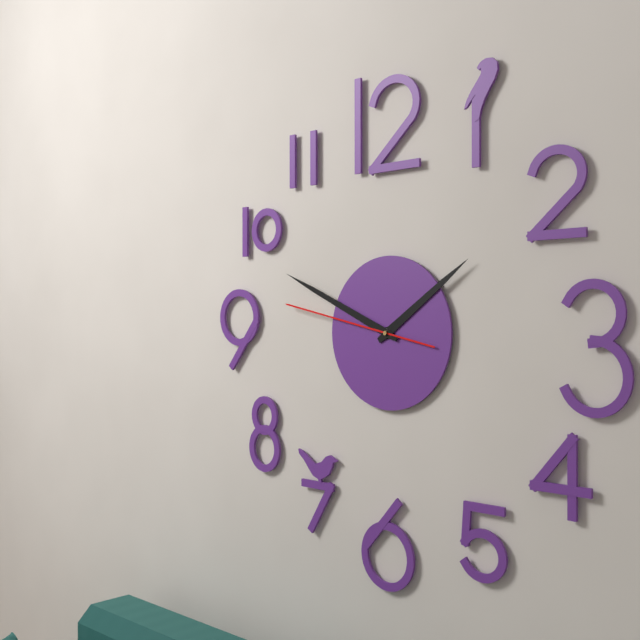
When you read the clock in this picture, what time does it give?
1:49:47
